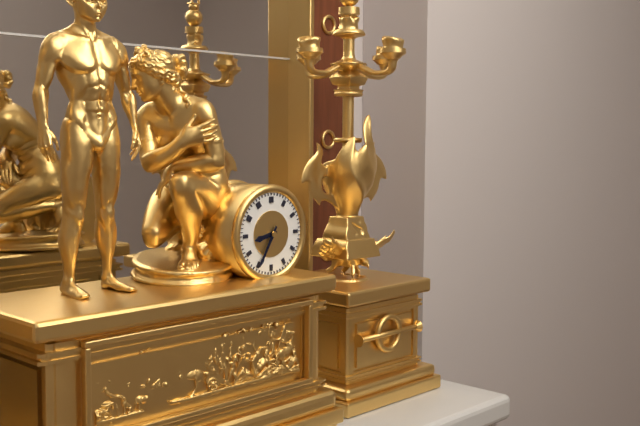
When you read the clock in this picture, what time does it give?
8:35
